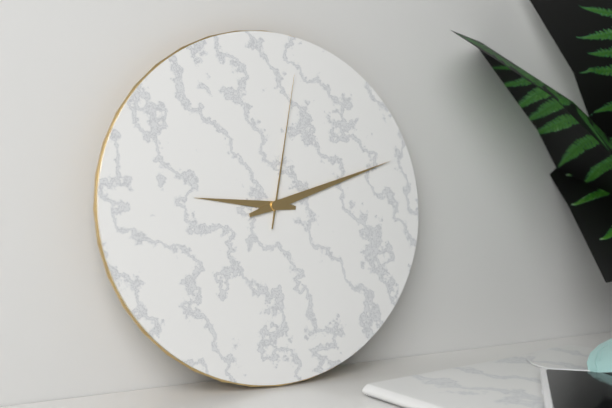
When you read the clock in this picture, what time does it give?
9:12:02
